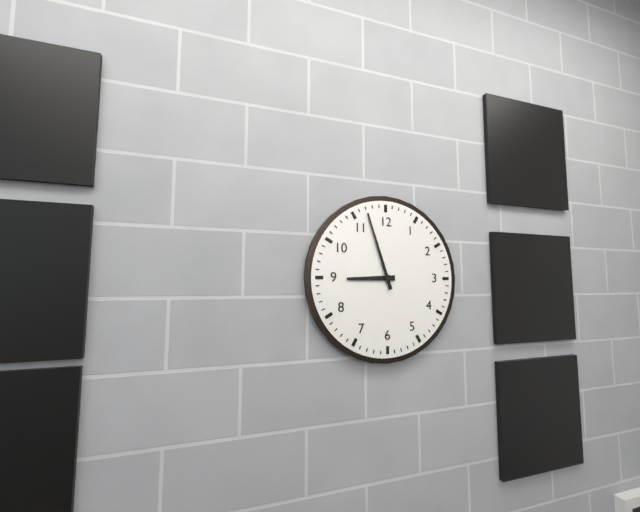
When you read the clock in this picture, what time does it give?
8:57
